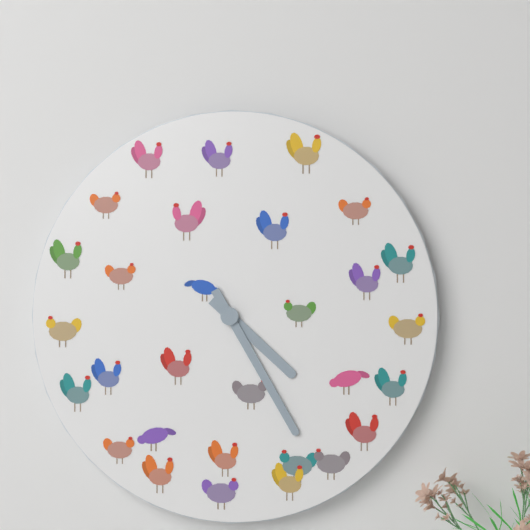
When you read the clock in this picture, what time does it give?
4:25
